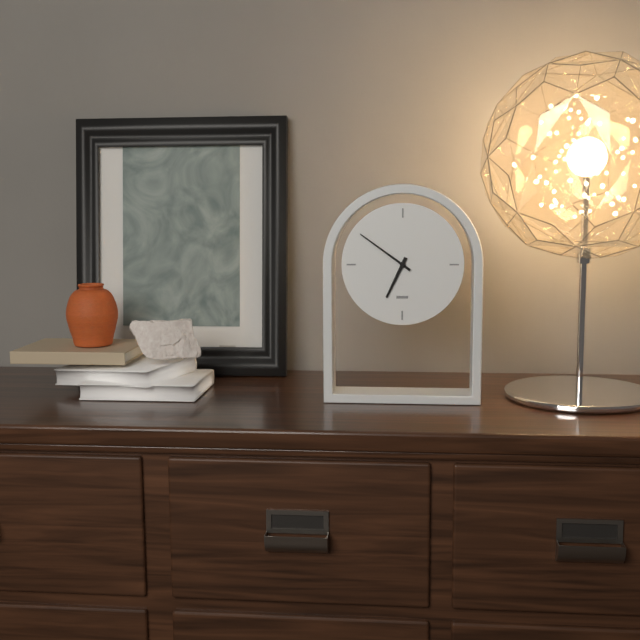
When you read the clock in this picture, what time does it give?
6:51
